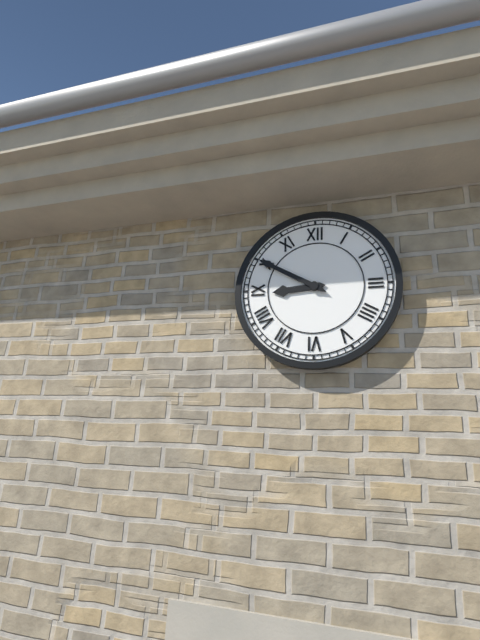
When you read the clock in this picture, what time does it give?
8:50
